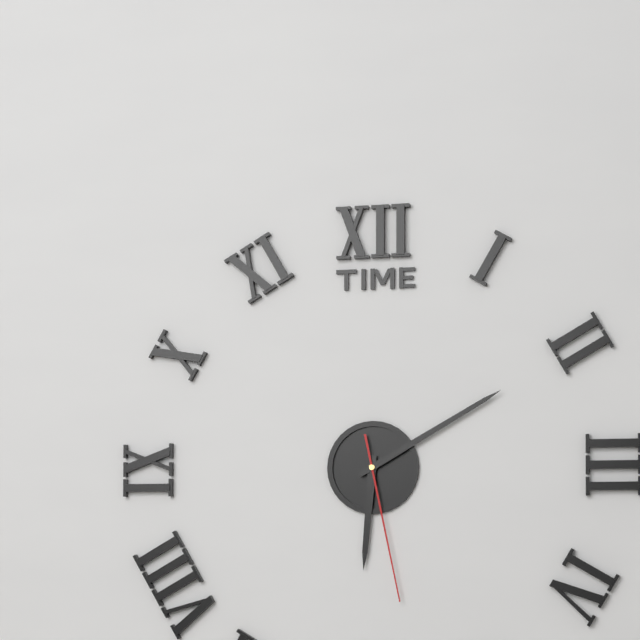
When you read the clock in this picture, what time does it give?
6:10:28
